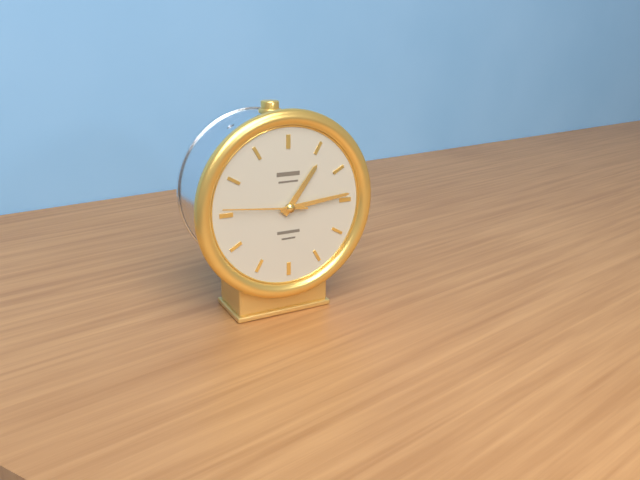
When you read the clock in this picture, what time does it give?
1:14:46
